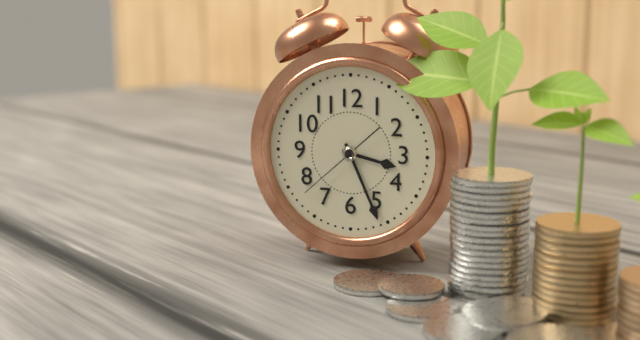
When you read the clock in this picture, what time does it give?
3:26:38
